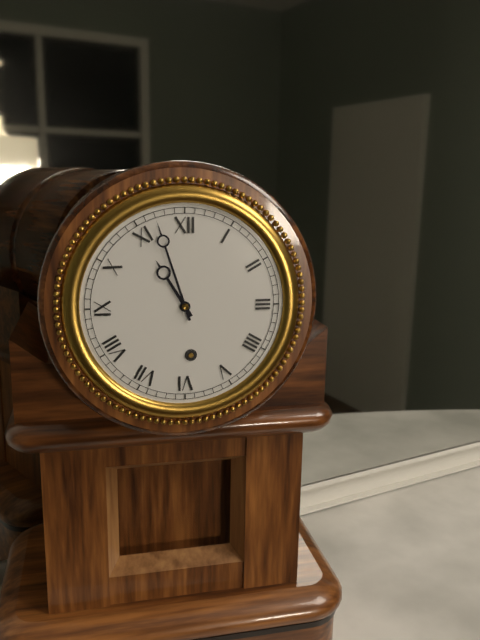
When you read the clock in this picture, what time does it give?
10:57
